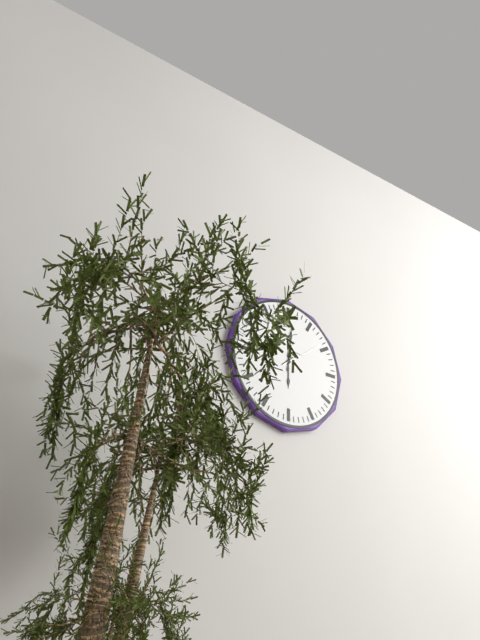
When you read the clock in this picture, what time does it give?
6:01
